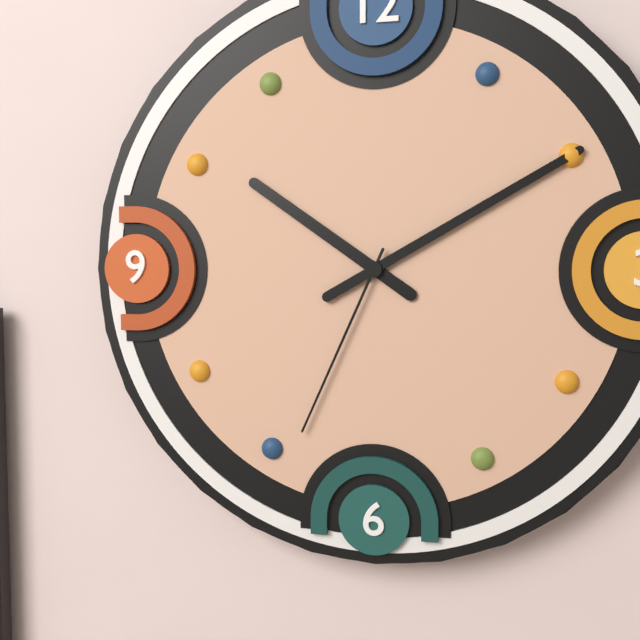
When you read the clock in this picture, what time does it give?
10:10:34
